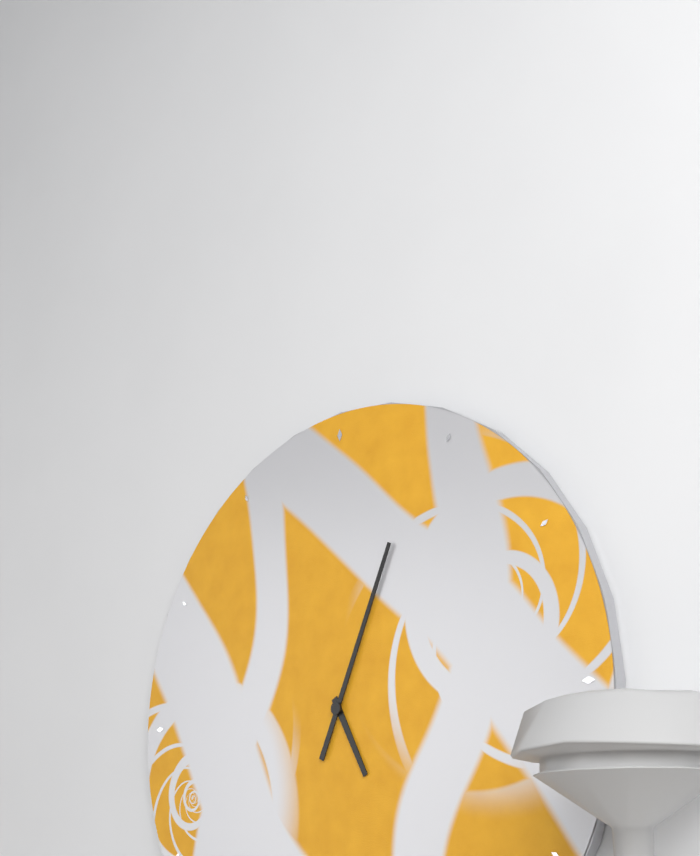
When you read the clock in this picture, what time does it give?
5:04
